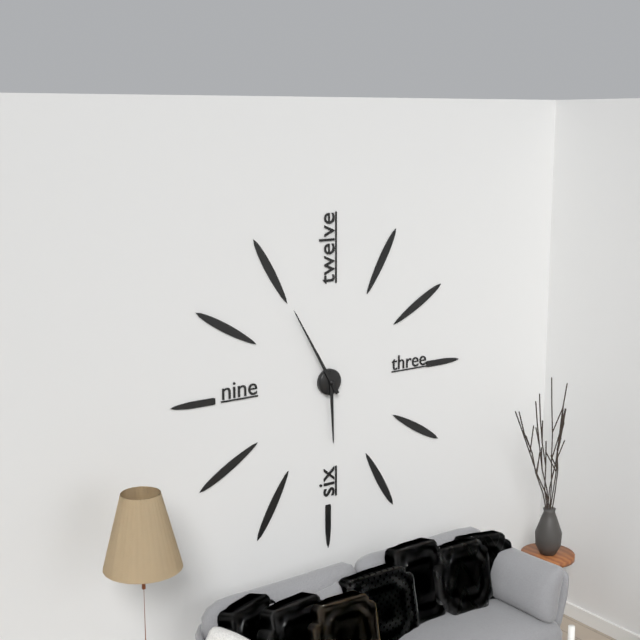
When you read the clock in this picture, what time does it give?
5:55
